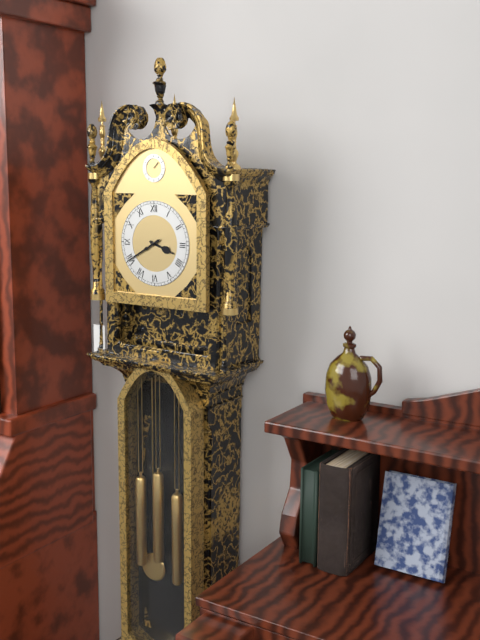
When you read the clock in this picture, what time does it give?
3:40
